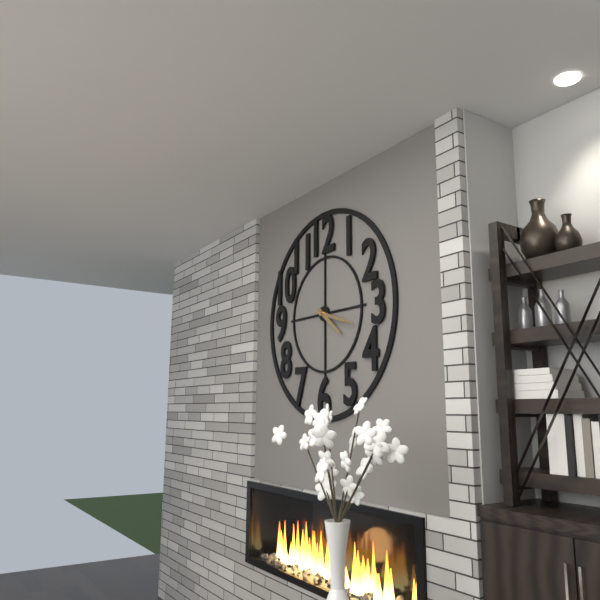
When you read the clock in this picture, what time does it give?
4:18
